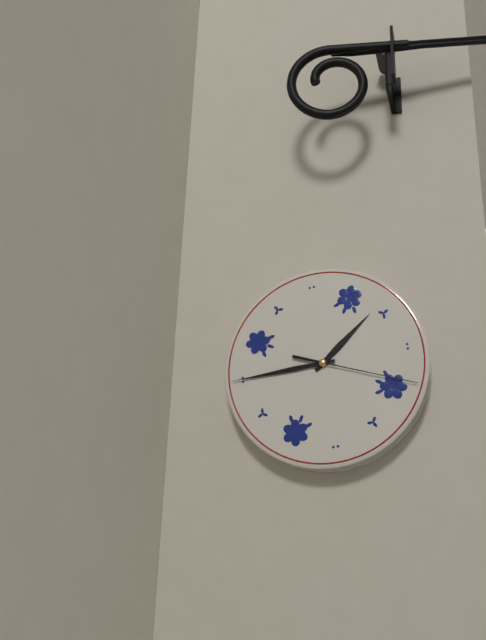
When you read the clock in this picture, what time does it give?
1:45:19
